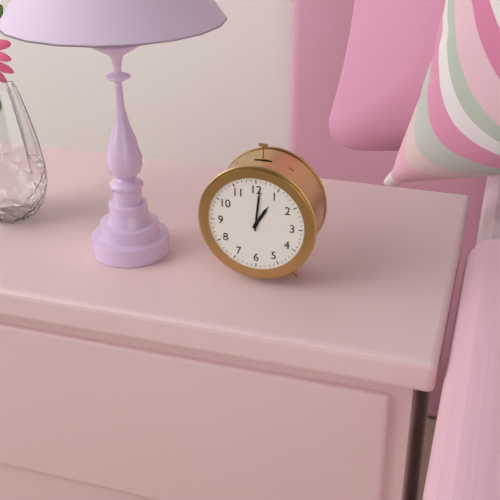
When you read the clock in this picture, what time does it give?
1:01
